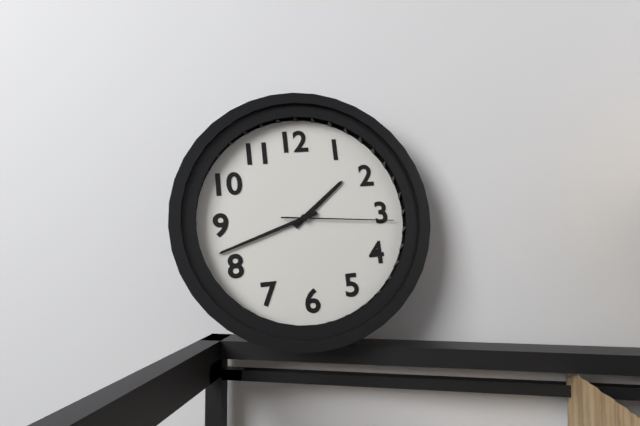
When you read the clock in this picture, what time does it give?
1:42:16
